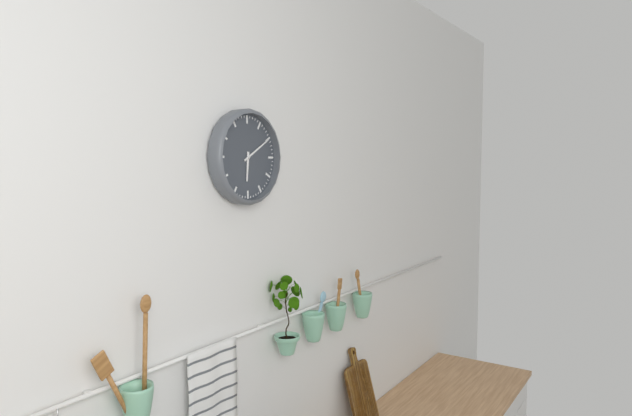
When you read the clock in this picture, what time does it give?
6:10
